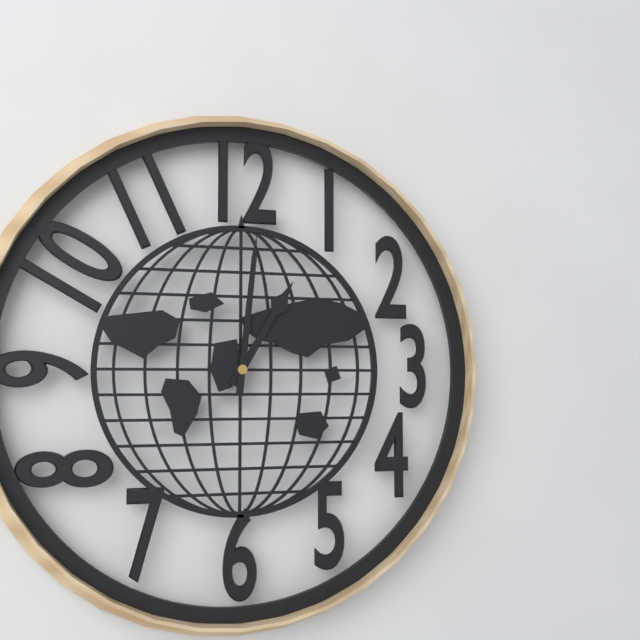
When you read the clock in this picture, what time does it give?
1:01
